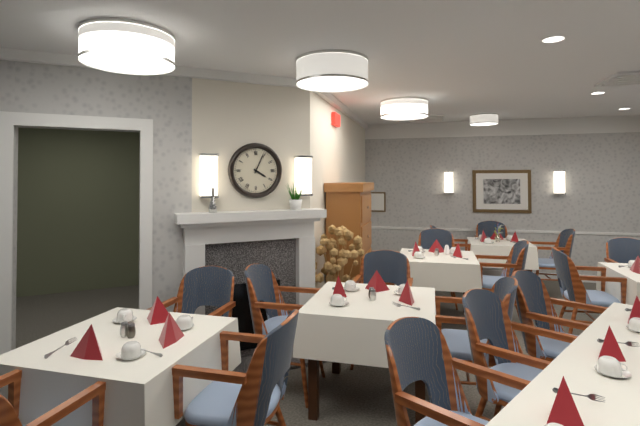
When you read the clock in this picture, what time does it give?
4:04
